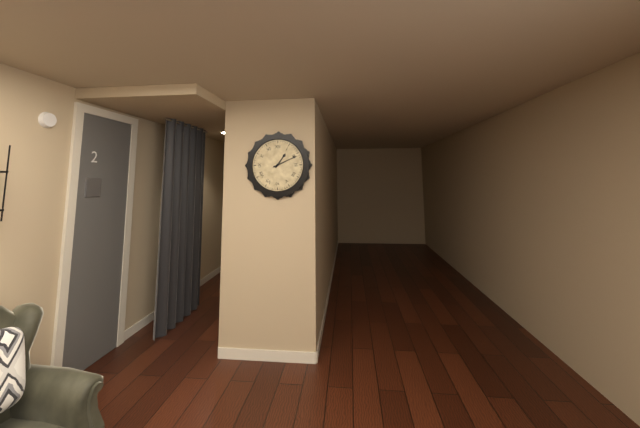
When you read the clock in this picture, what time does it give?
1:11
